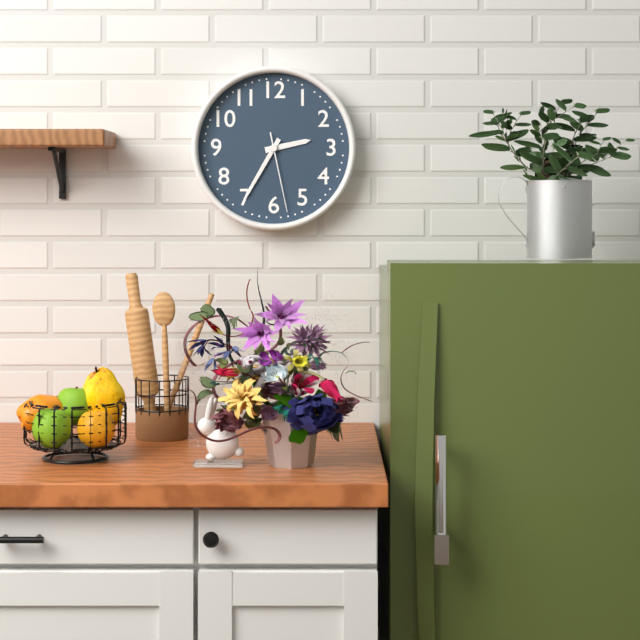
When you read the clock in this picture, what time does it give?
2:35:28
